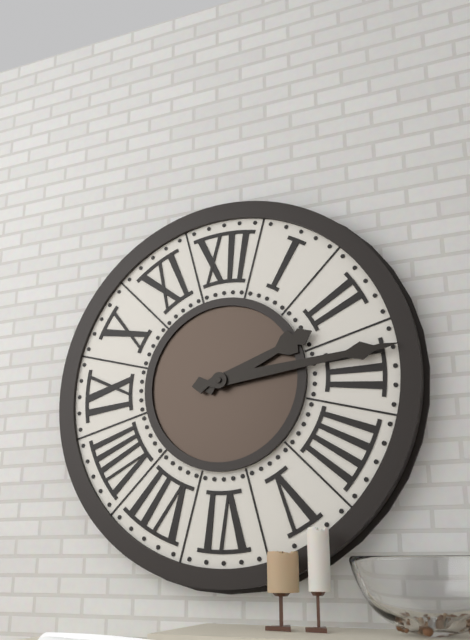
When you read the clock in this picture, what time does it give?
2:14
